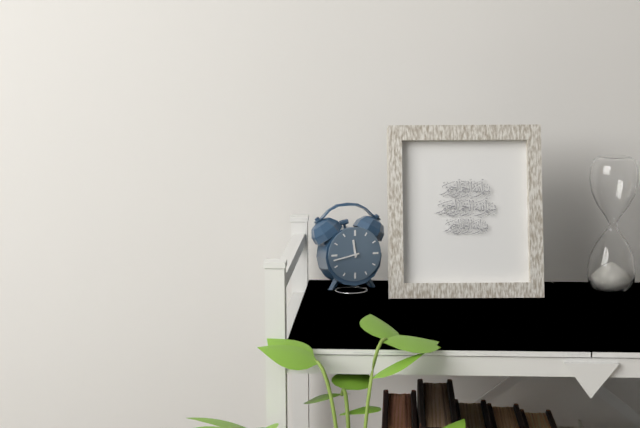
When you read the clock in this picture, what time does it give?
11:43
